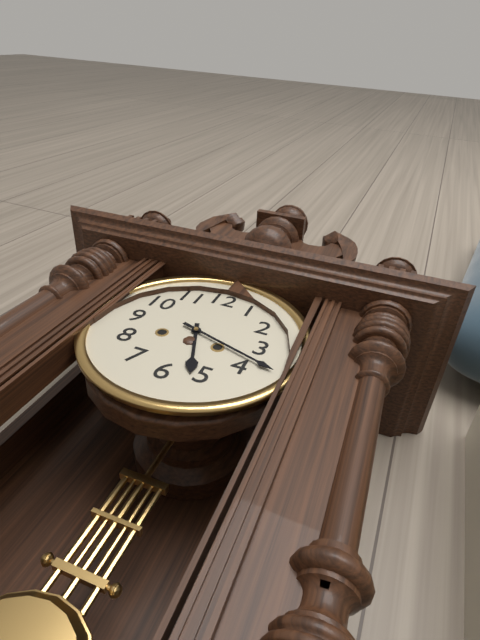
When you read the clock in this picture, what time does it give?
5:18
